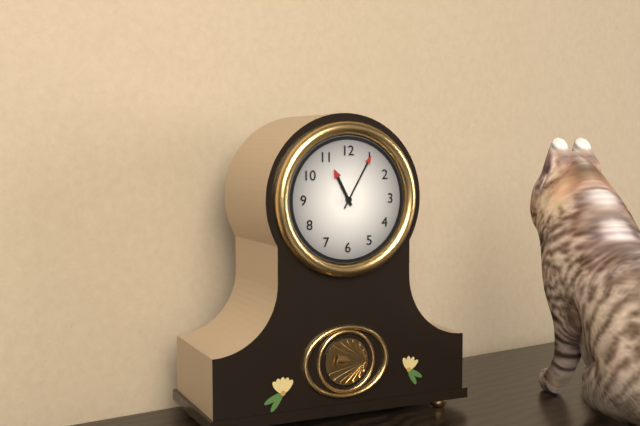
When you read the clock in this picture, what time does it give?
11:05
